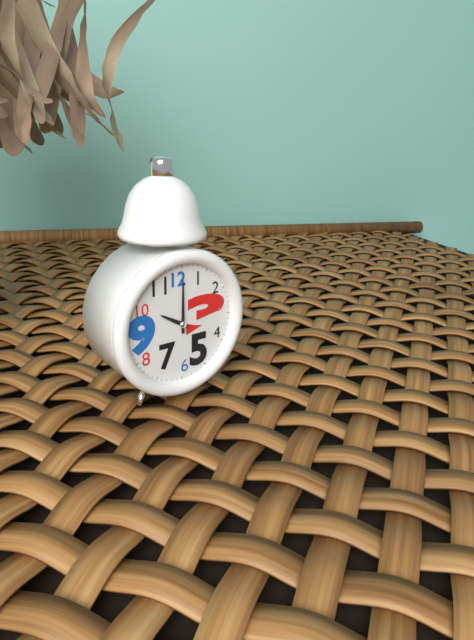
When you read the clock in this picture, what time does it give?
10:00
